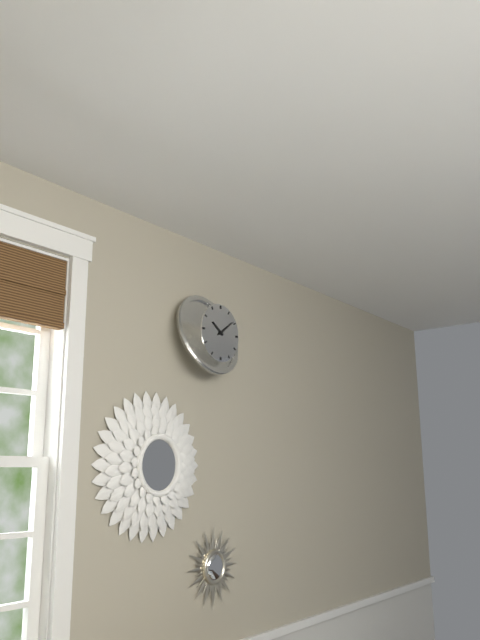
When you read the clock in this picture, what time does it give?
10:09
